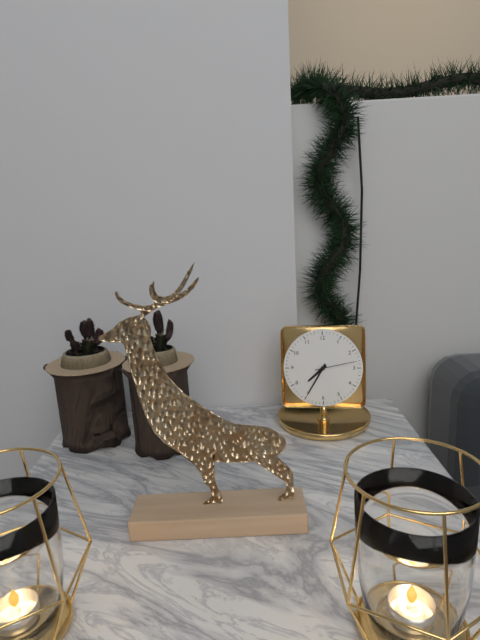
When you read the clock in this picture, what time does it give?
7:35
